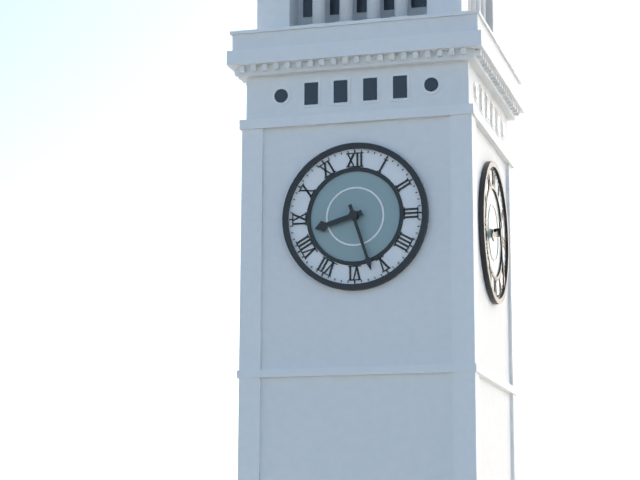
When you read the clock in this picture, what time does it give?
8:27
